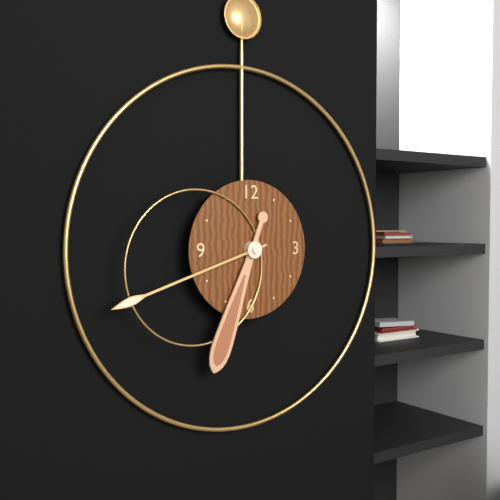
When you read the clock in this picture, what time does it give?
6:42
